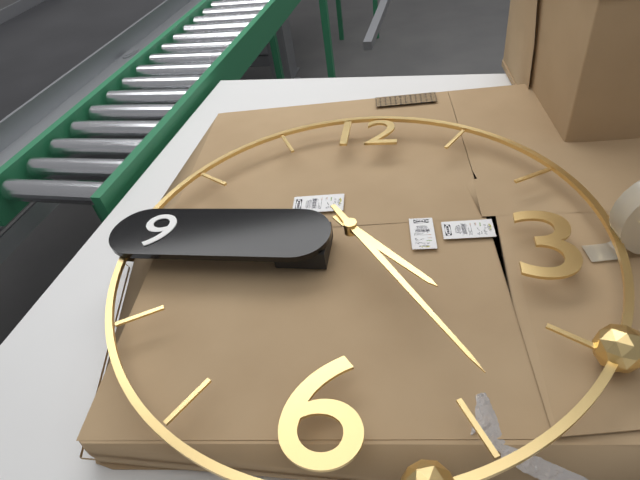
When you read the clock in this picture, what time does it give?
4:24
